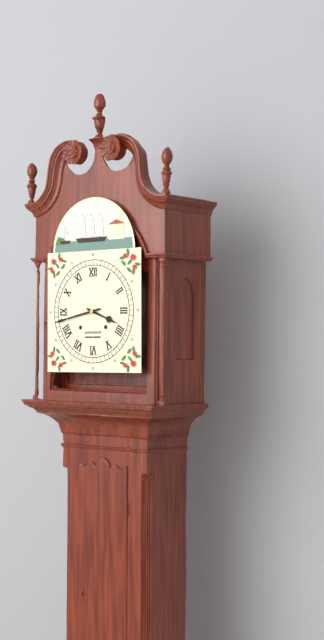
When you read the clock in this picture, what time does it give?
3:43
